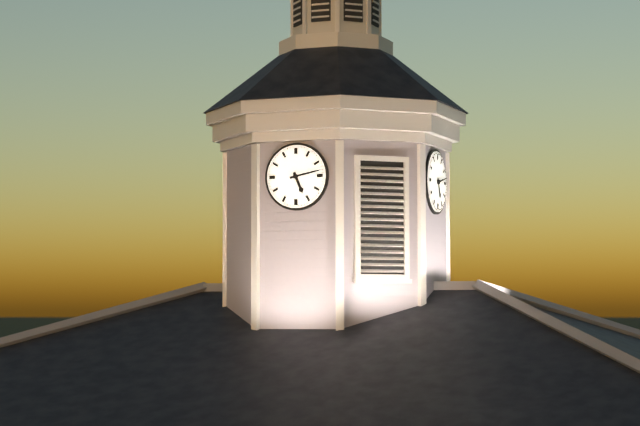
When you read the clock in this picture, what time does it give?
5:13
